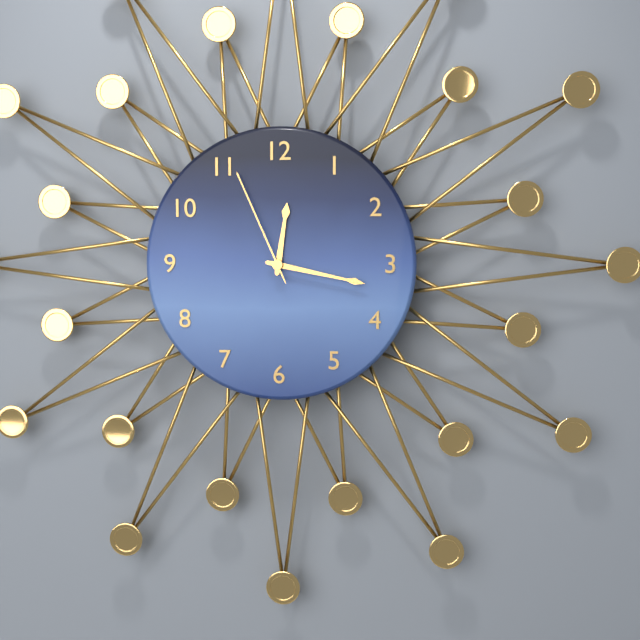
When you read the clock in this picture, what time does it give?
12:17:56
